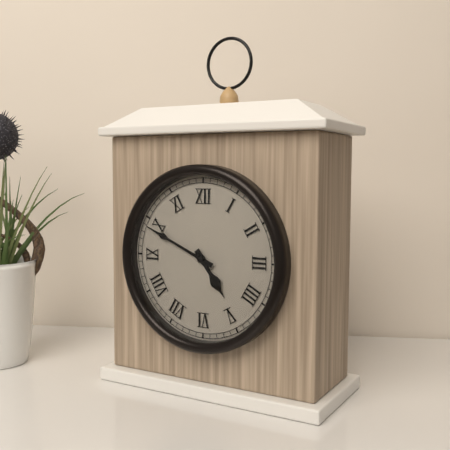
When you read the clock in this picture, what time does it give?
4:49
